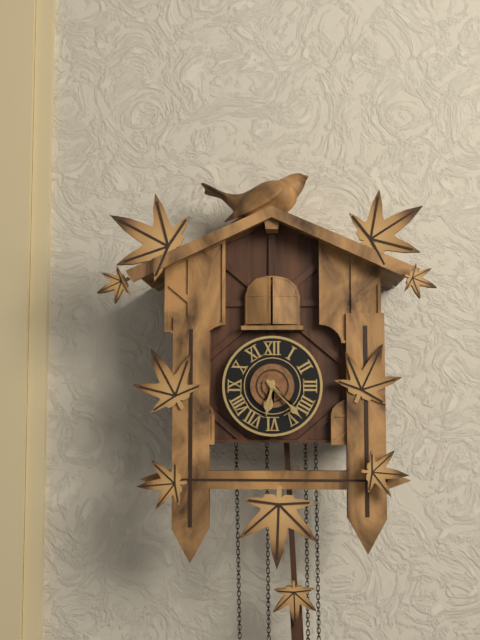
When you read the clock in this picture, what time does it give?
6:23
